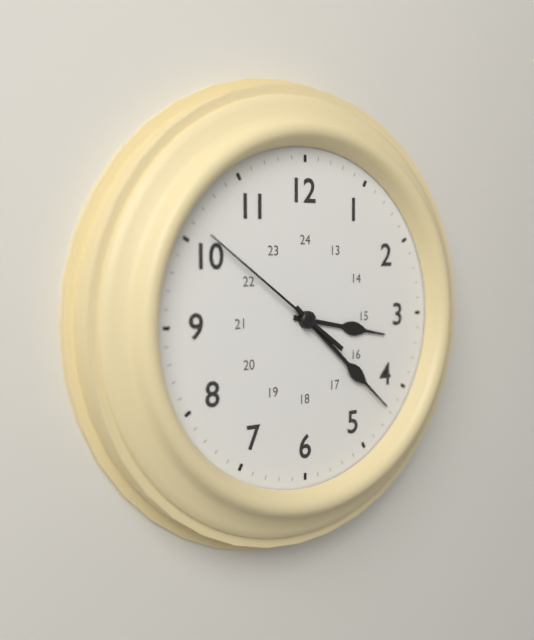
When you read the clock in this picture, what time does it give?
3:22:51
